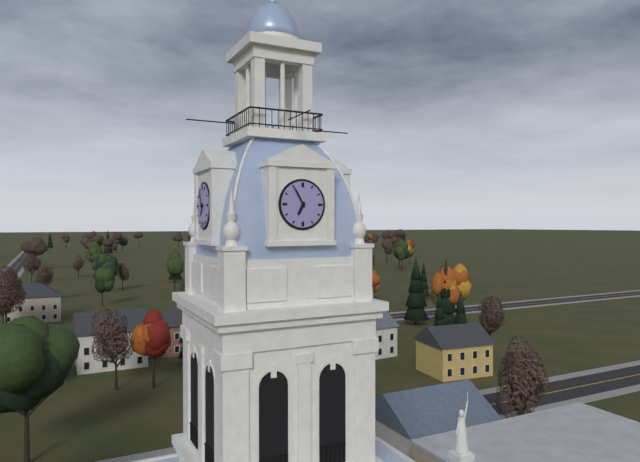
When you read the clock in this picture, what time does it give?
6:55
